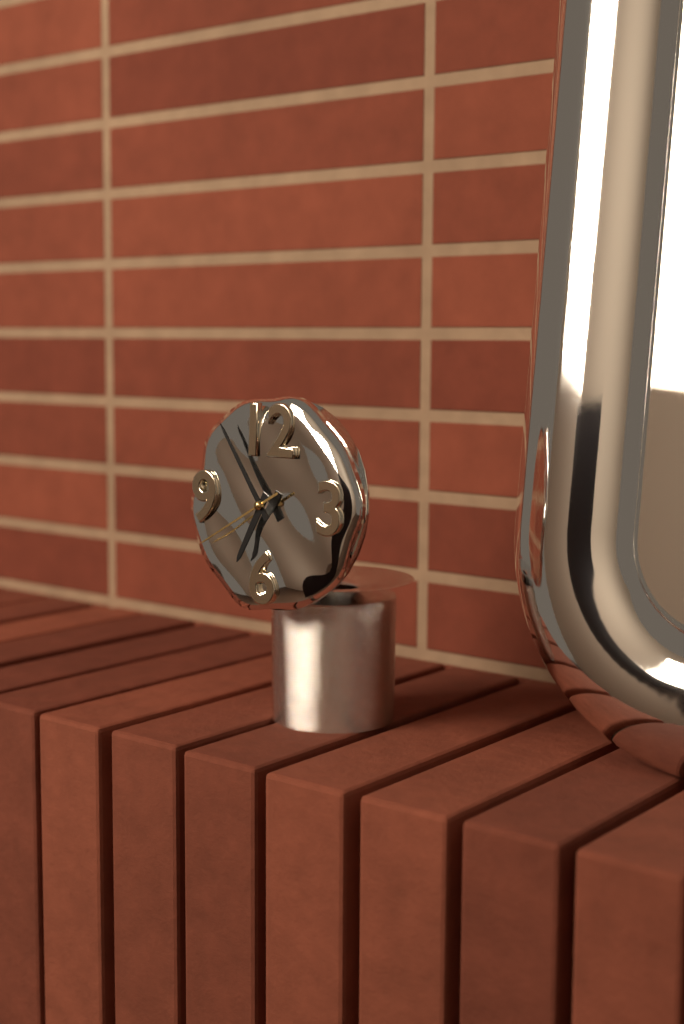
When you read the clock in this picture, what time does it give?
6:54:40
